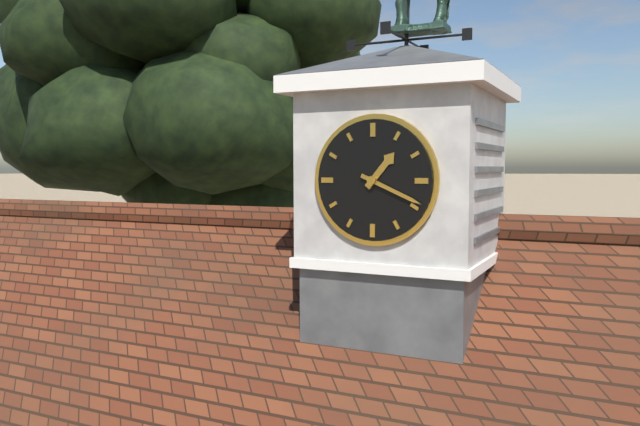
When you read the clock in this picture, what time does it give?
1:19
